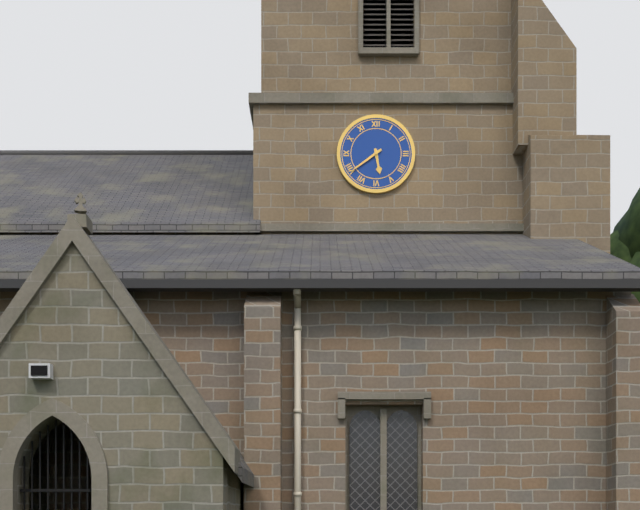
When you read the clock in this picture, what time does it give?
5:39
